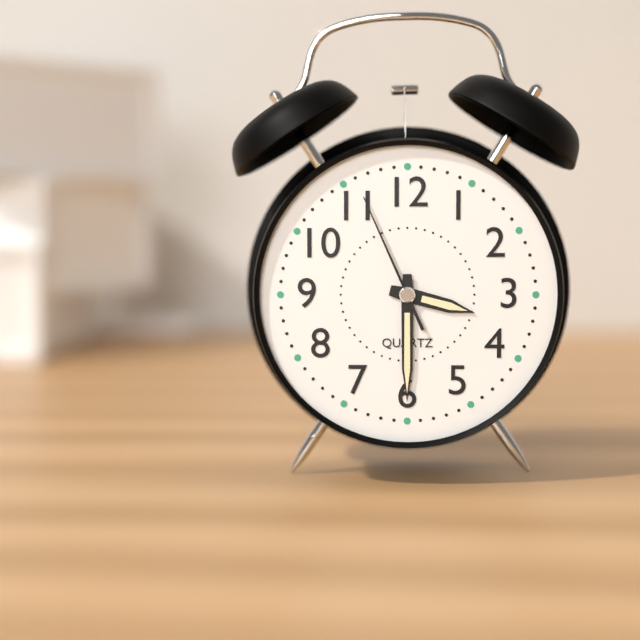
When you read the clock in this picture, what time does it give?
3:30:56
